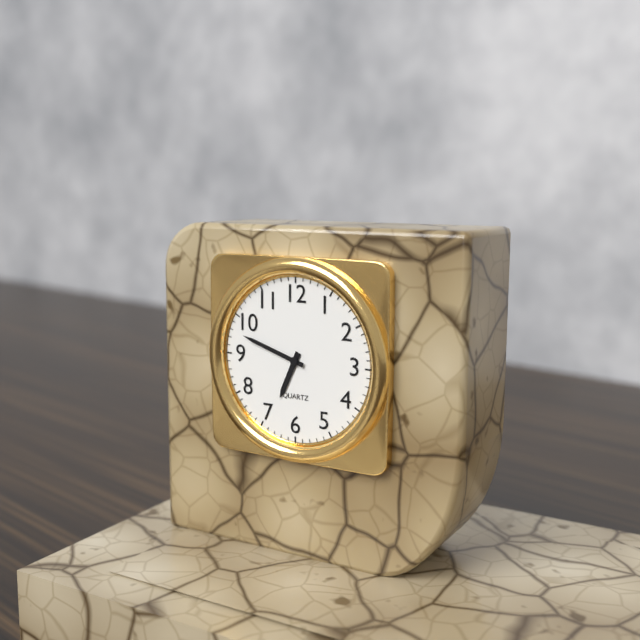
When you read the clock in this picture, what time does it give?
6:48
